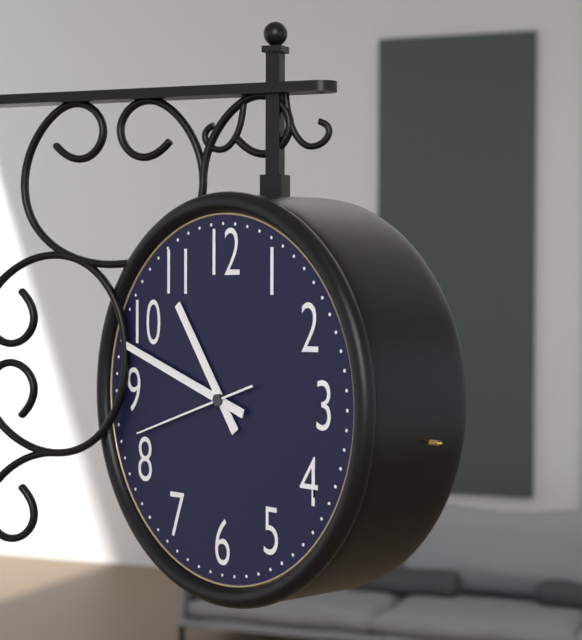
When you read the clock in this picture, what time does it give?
10:48:42
